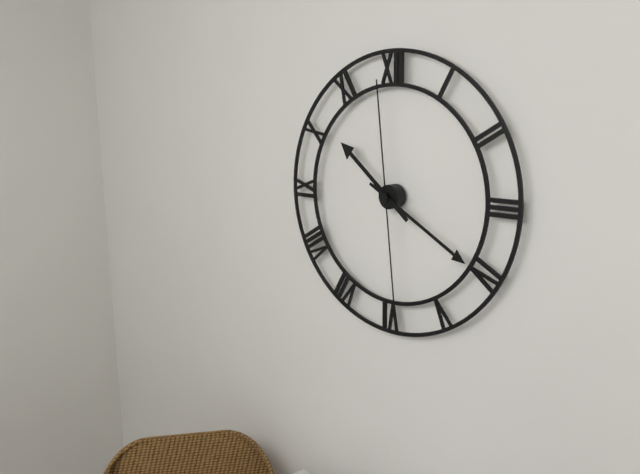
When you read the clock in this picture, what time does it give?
10:20:29
